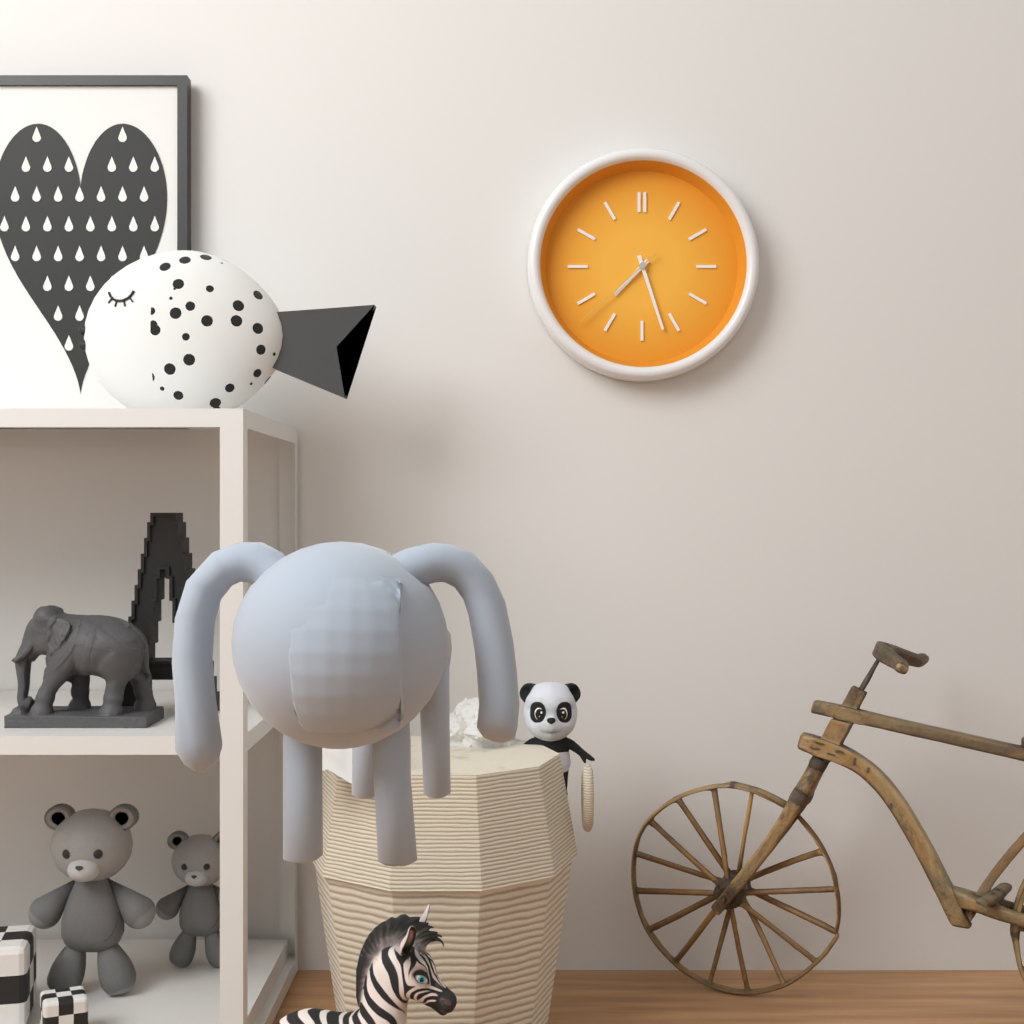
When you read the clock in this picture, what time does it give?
7:27:38
